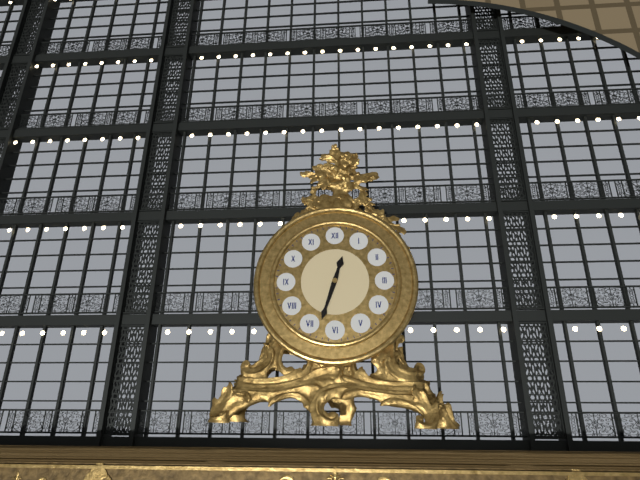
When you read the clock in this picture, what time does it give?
12:33
